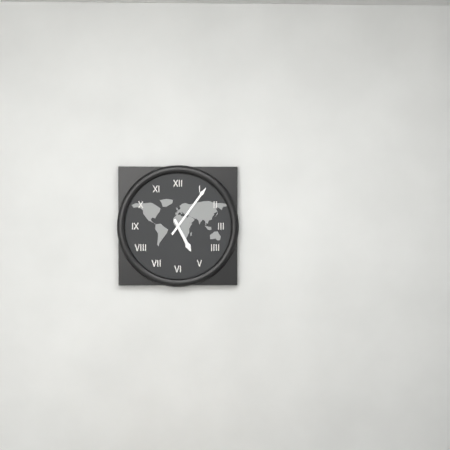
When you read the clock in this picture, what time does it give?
5:06
